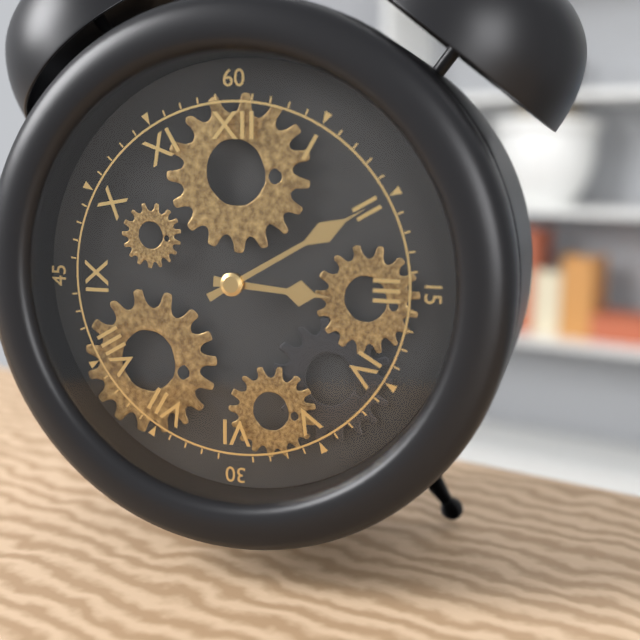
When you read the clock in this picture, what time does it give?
3:10
